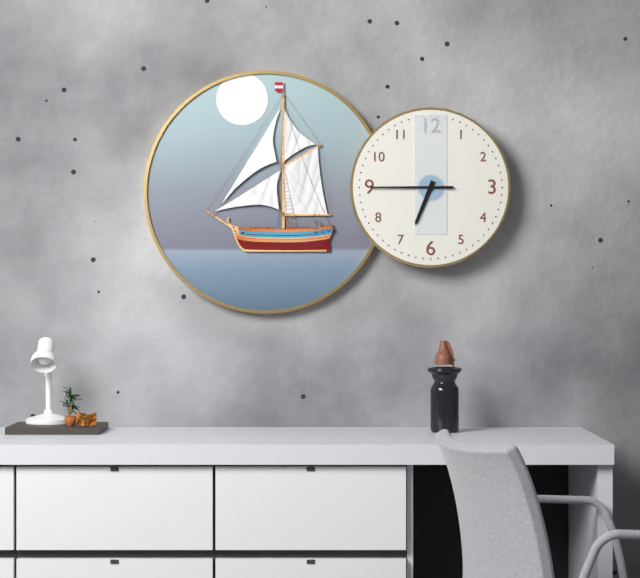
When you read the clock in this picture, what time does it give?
6:45
